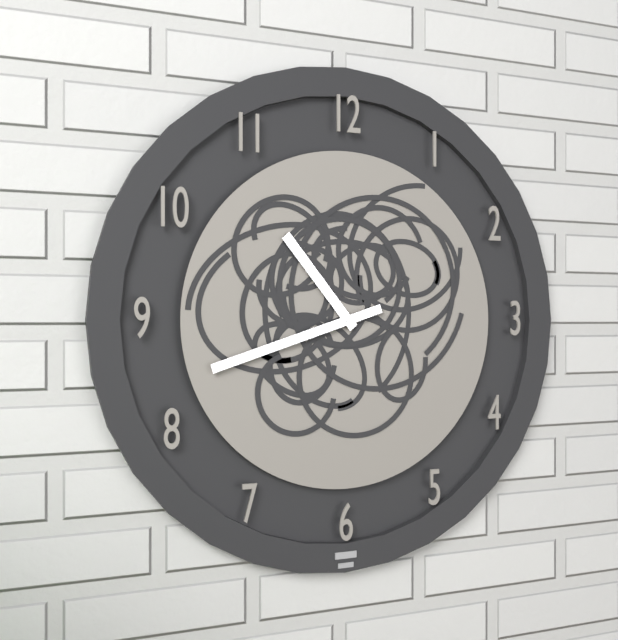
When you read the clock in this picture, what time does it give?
10:42
